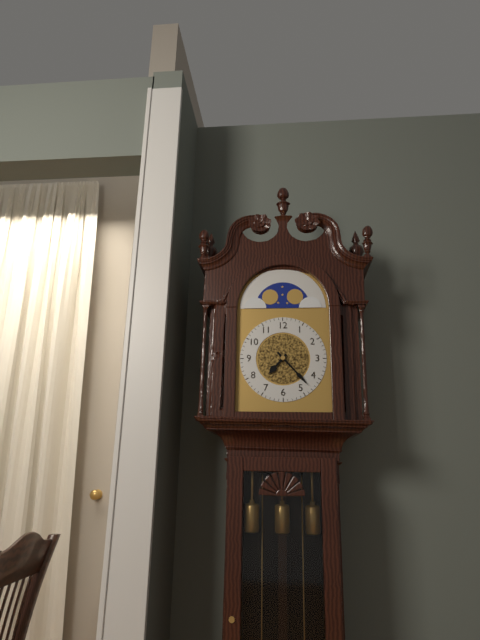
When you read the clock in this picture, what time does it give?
7:23
